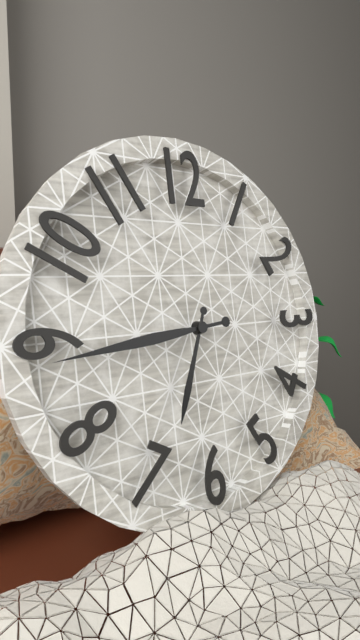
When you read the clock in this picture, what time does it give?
6:44
